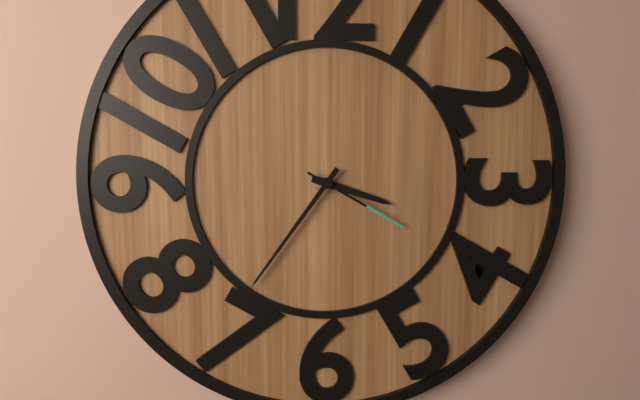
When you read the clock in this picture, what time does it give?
3:36:20
